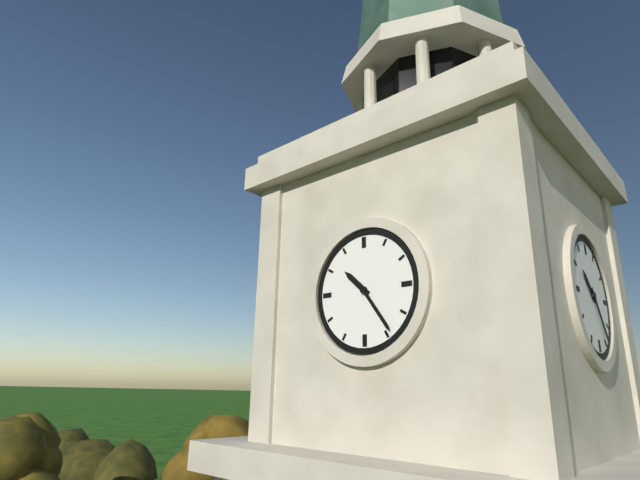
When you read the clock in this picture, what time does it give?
10:24
